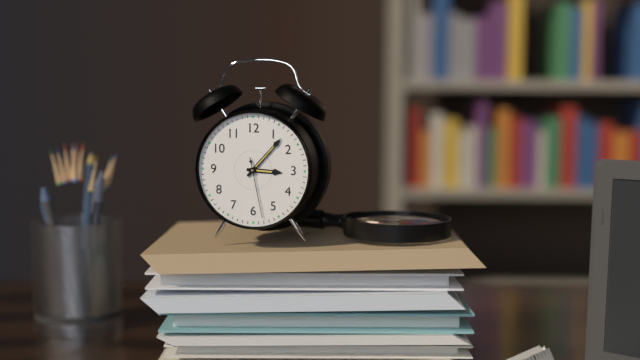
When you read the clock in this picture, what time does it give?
3:07:28
